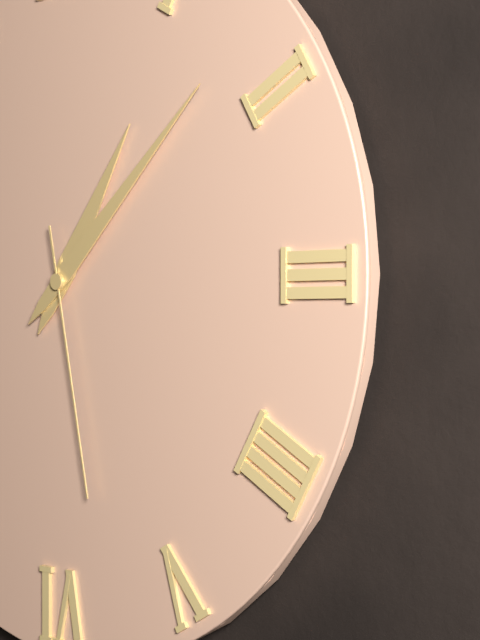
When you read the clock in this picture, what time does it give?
1:08:28
